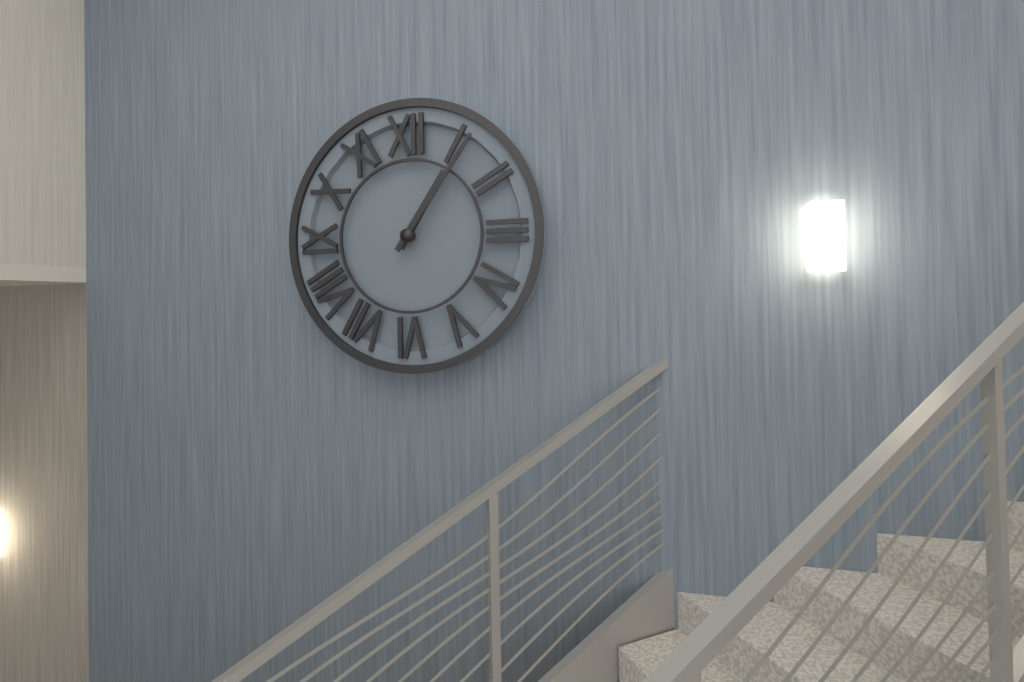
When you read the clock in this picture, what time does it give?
1:06
